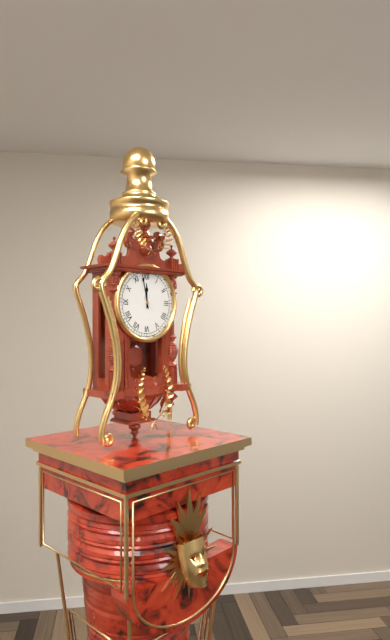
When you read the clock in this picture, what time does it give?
11:58
